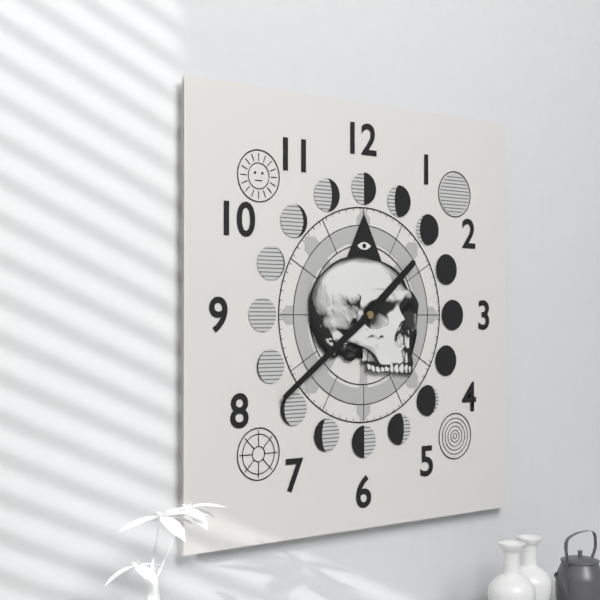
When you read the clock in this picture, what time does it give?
1:39
